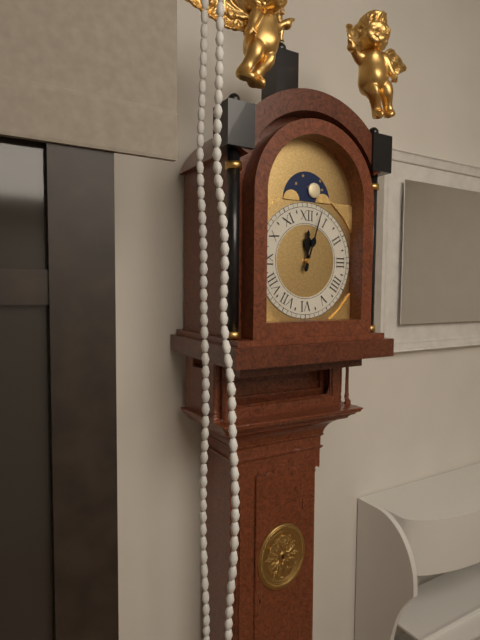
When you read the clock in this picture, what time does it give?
12:03
